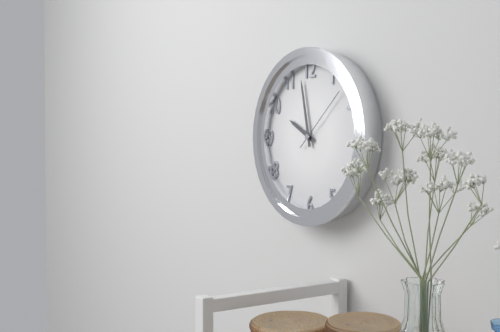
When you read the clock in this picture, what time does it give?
9:58:08
